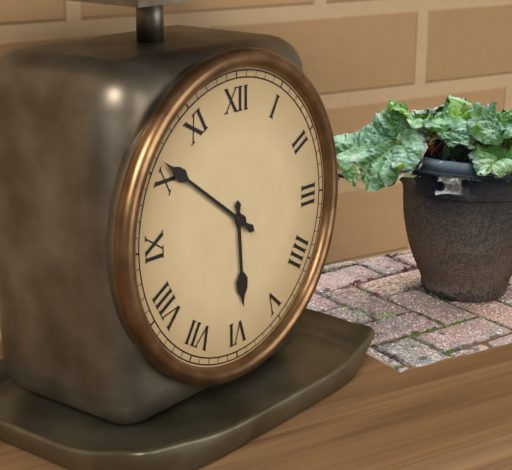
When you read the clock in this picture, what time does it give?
5:51
